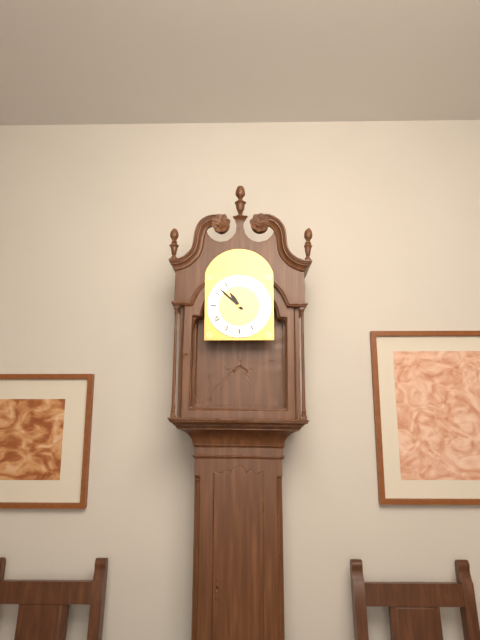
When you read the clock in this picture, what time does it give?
10:52
